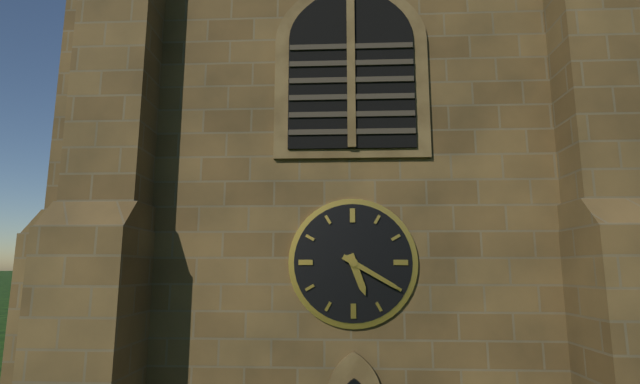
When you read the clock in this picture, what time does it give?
5:20
